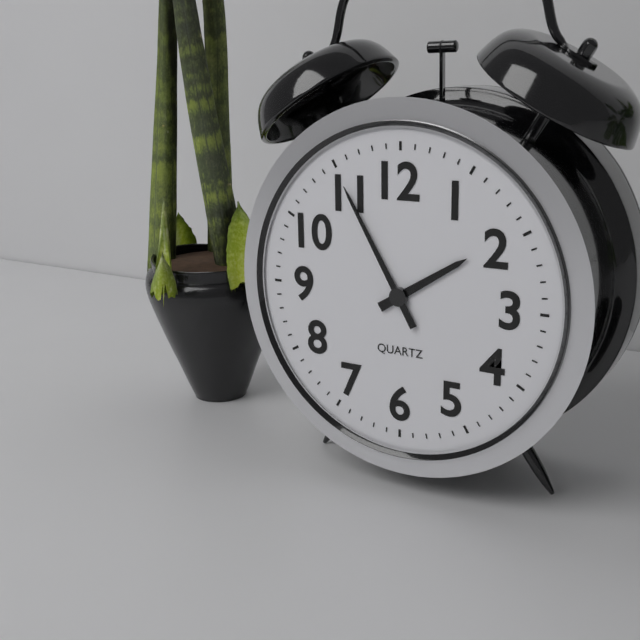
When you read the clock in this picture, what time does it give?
1:55
